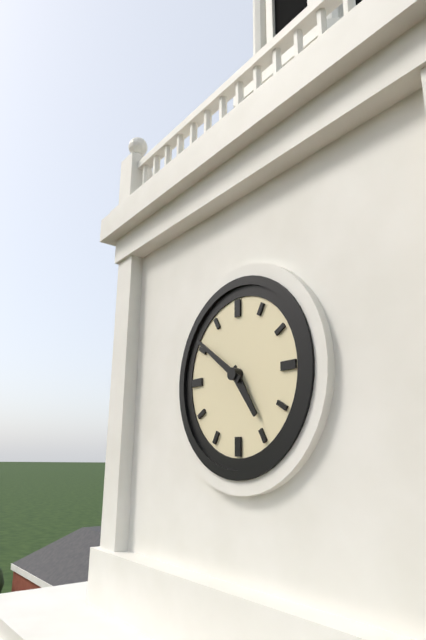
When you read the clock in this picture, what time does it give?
4:51
